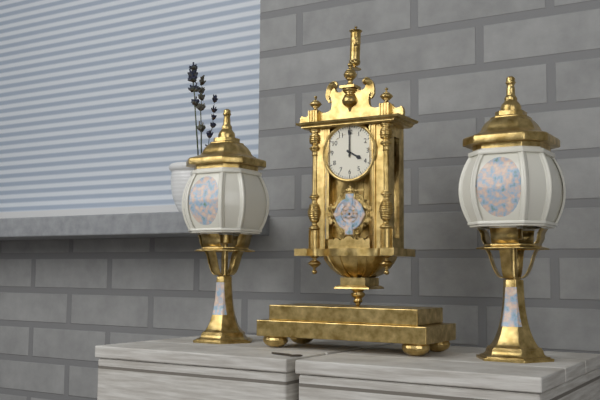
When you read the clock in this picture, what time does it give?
4:00
